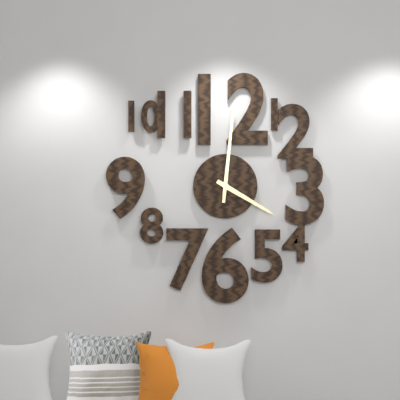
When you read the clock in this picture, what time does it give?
4:01
